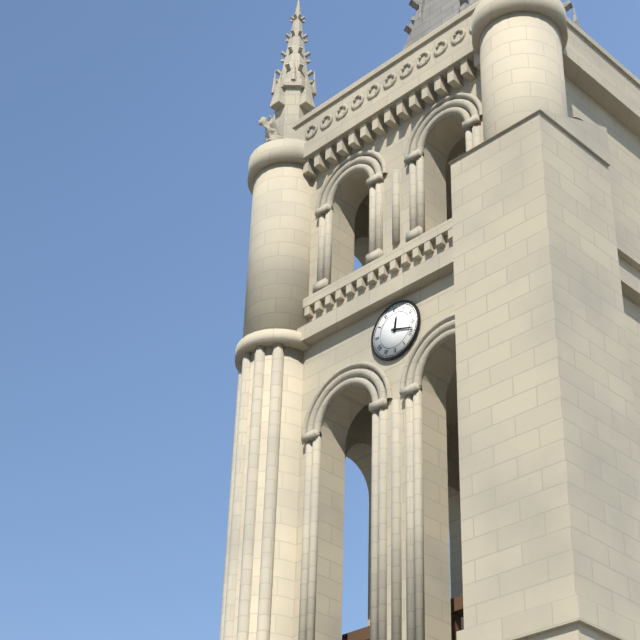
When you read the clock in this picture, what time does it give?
12:18
